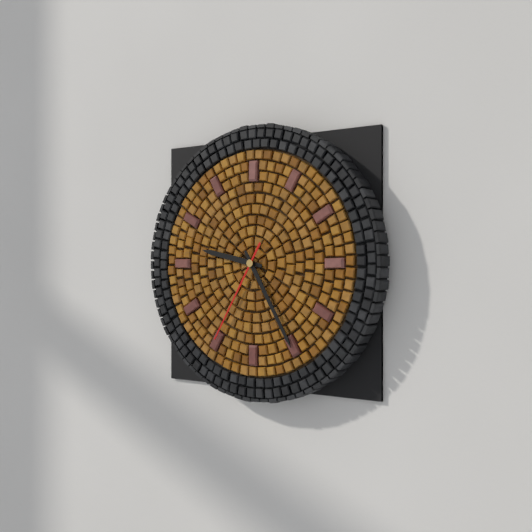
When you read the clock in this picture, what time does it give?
9:25:35
